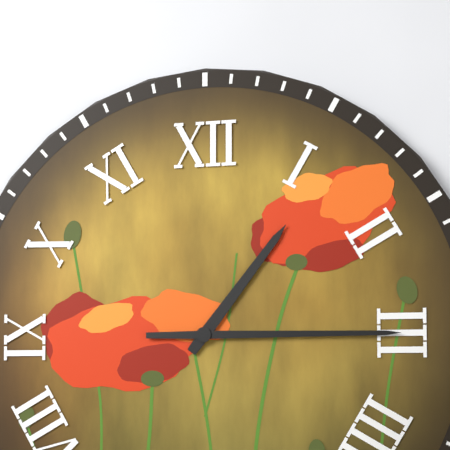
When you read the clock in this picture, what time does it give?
1:15
